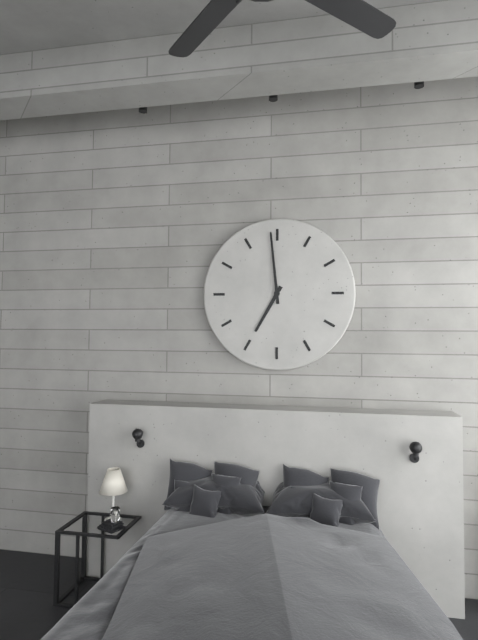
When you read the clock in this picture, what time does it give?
6:59
